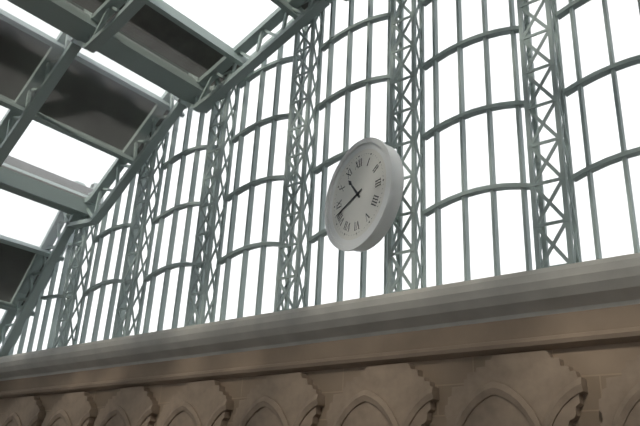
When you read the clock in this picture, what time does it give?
10:42
